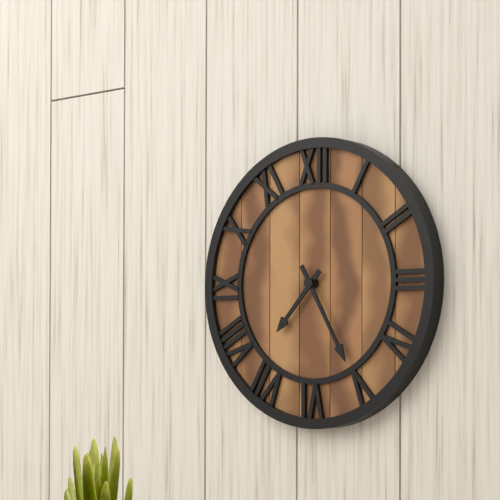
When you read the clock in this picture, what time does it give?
7:25
